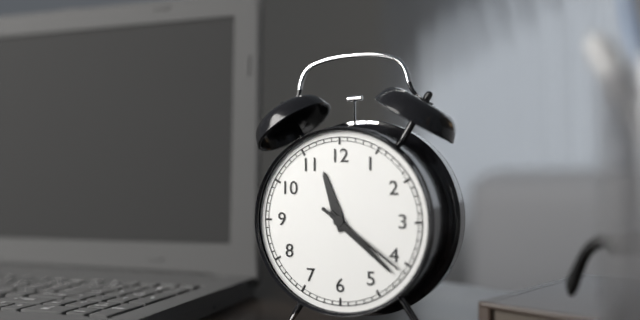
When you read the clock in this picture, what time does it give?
11:22:21
